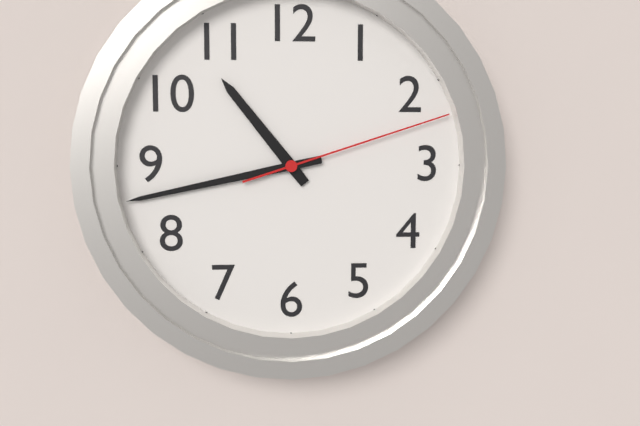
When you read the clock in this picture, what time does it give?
10:43:12
